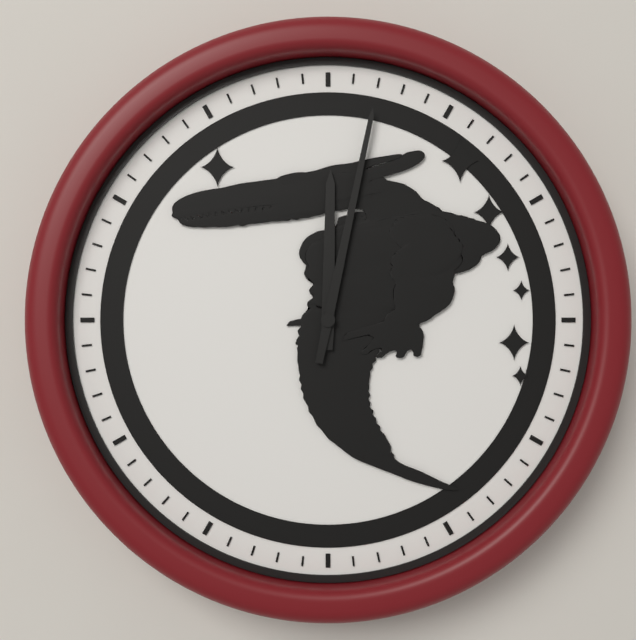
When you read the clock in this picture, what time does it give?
12:02
